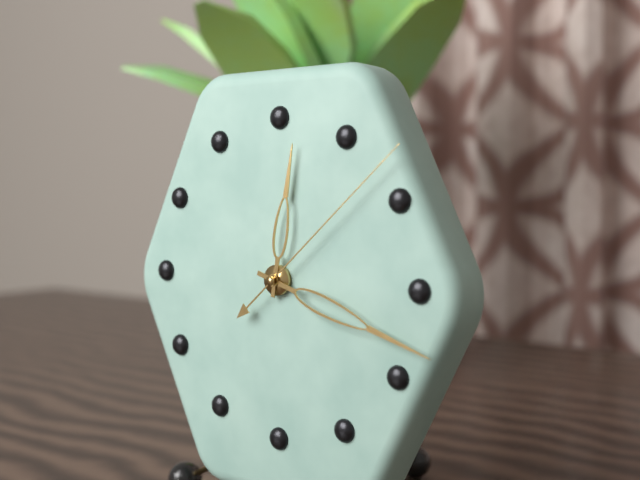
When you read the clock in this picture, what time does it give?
12:18:08
